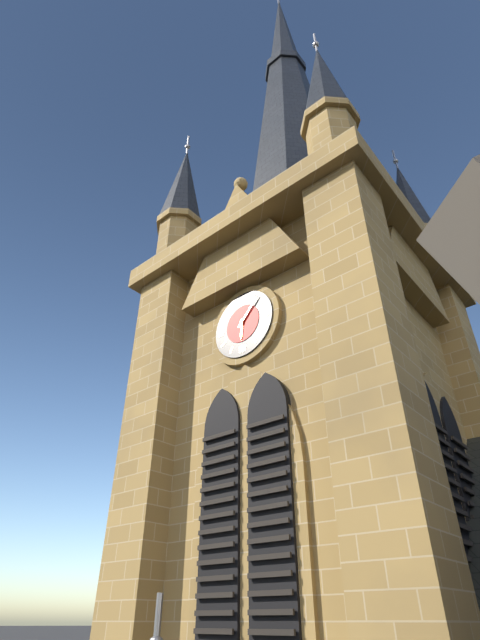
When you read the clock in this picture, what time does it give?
6:07
